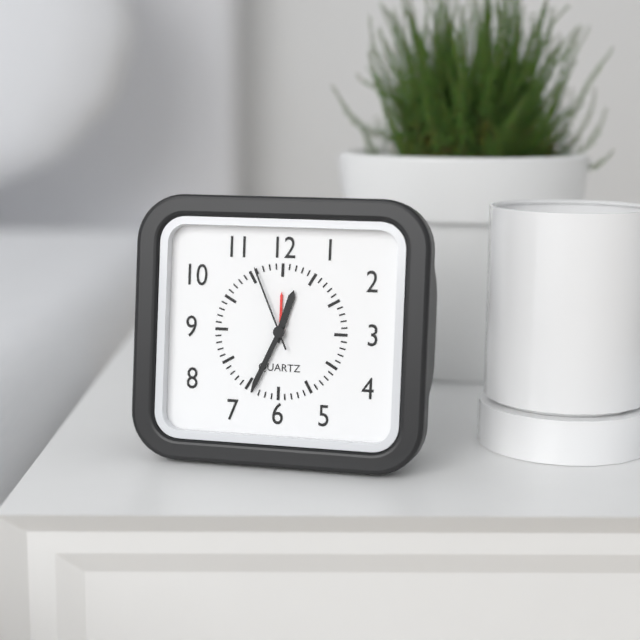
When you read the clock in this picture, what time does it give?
12:34:56
